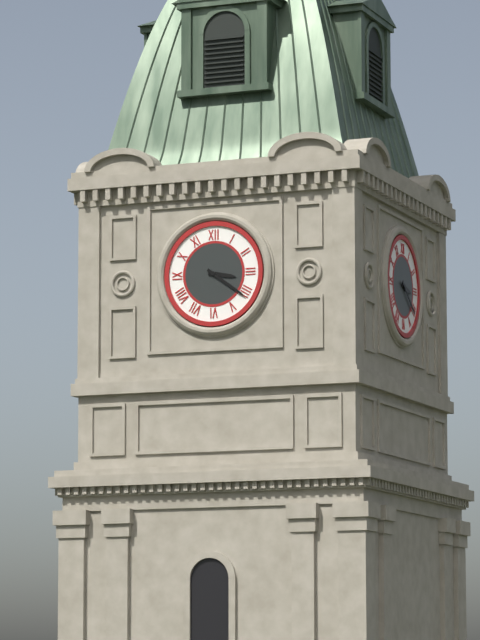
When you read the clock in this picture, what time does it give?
3:21
